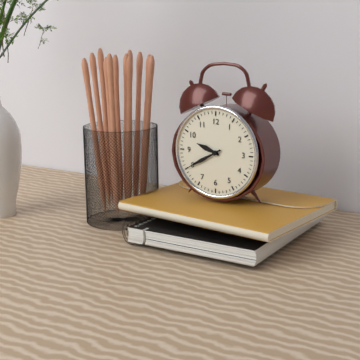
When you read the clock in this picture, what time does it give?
9:40
